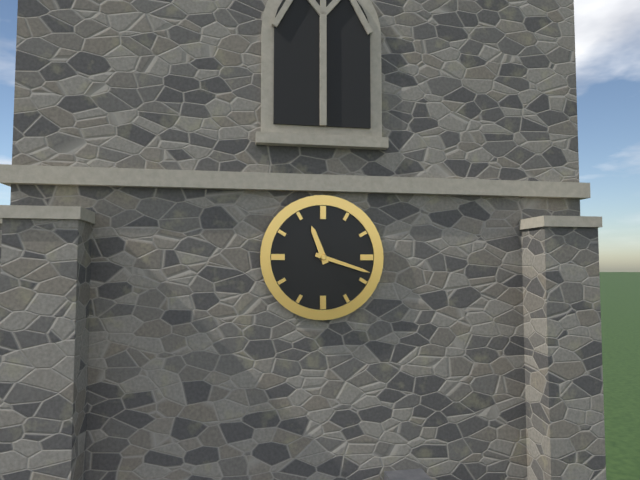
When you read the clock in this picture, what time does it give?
11:18
